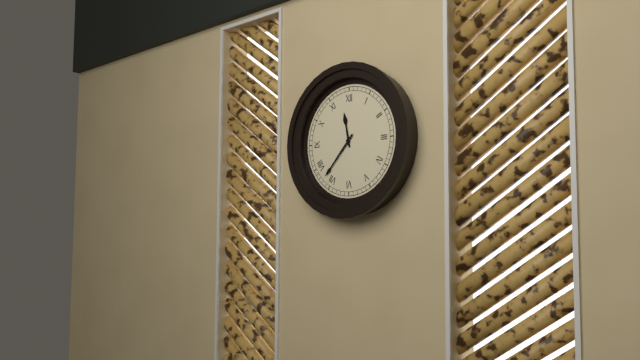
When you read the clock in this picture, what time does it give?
11:37
